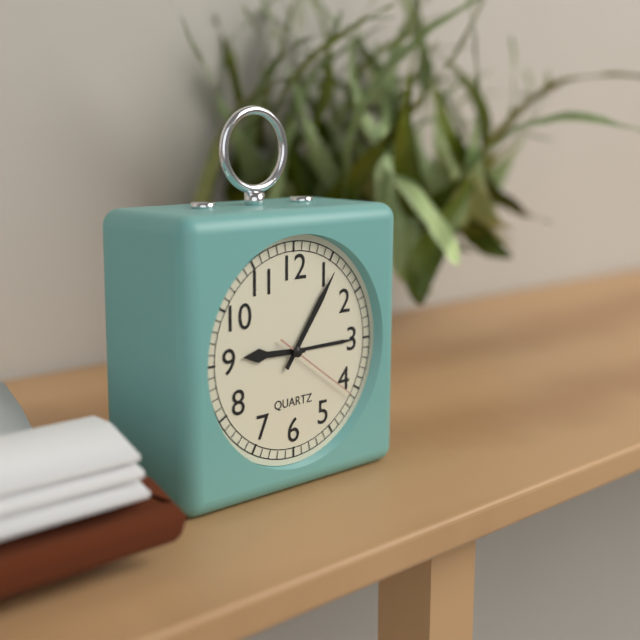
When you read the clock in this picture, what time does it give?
9:06:21
